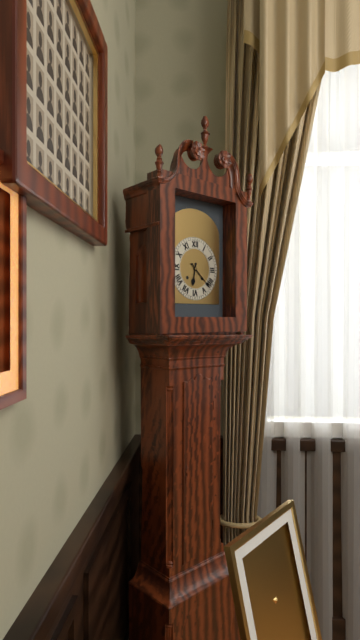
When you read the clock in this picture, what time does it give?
6:22
